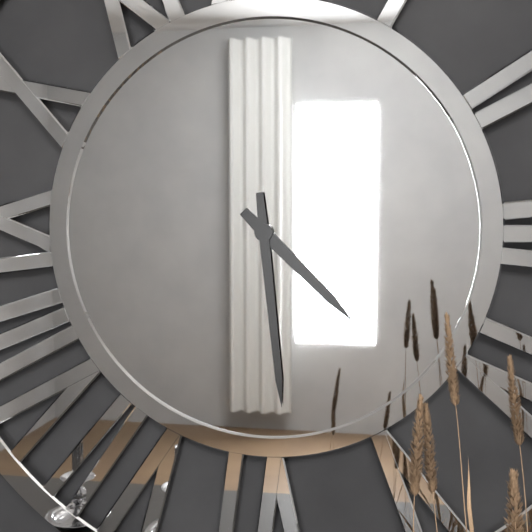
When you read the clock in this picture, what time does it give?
4:29
